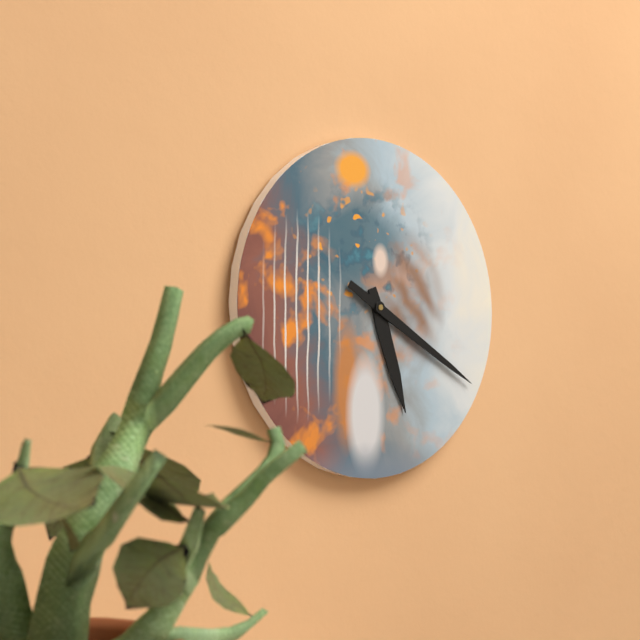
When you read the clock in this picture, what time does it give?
5:20
